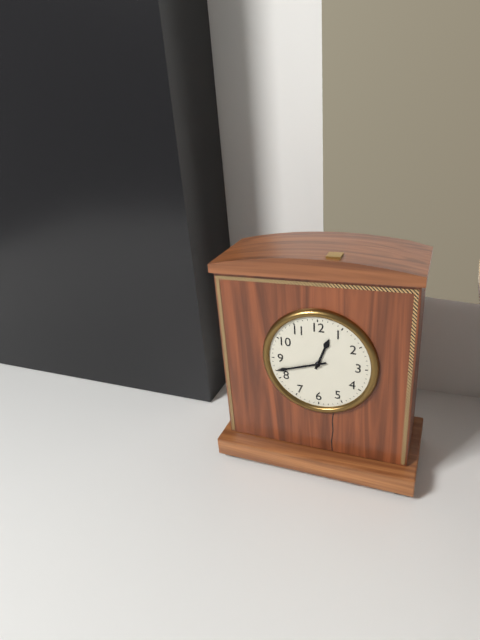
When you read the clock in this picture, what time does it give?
12:42
